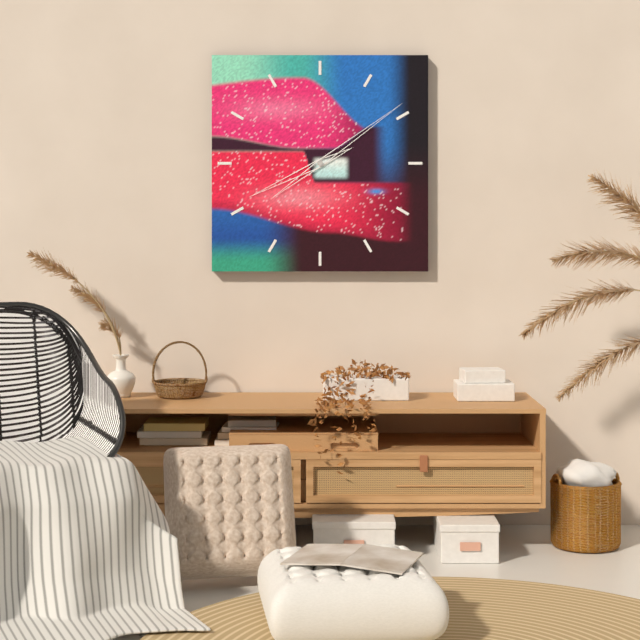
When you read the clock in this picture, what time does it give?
8:09
